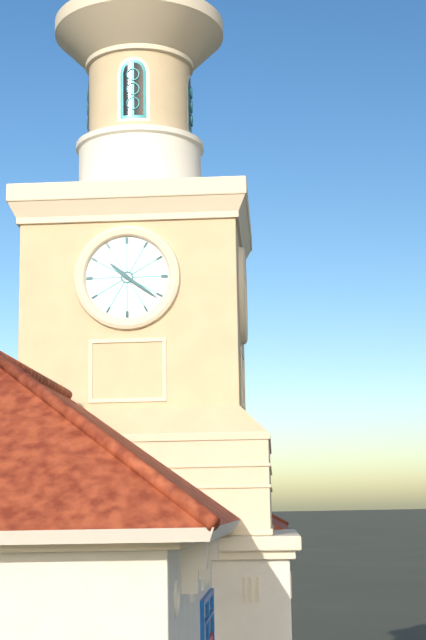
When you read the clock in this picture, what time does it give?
10:21
